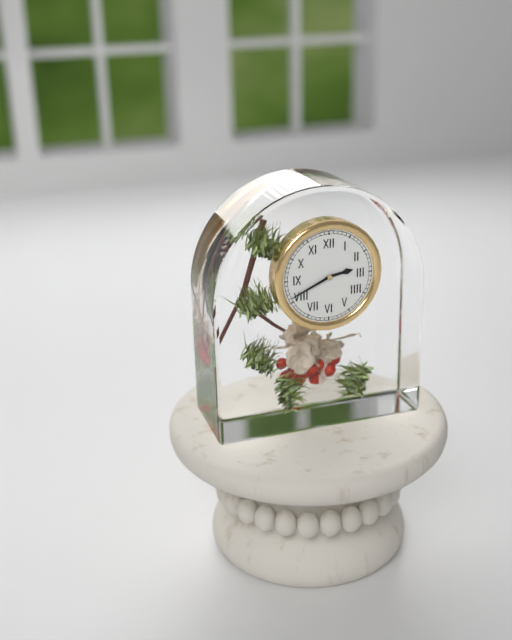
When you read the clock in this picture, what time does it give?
2:41
